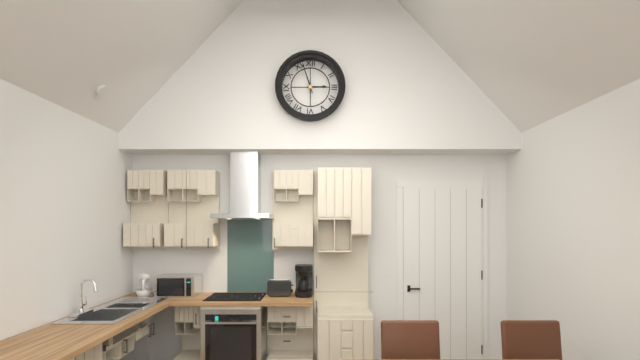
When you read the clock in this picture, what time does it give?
2:57
